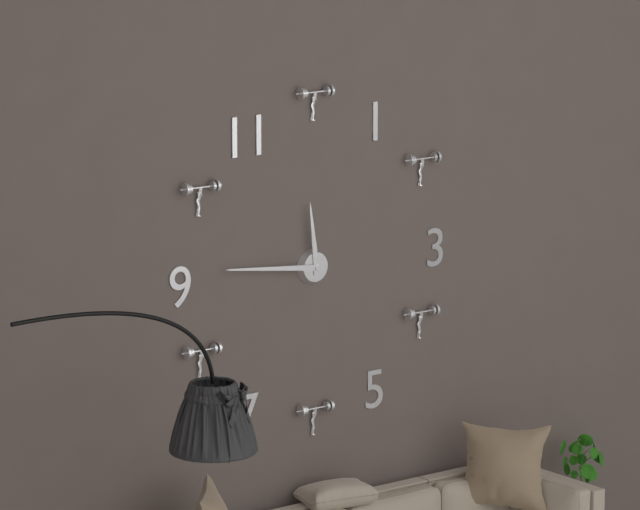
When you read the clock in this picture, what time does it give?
11:46
